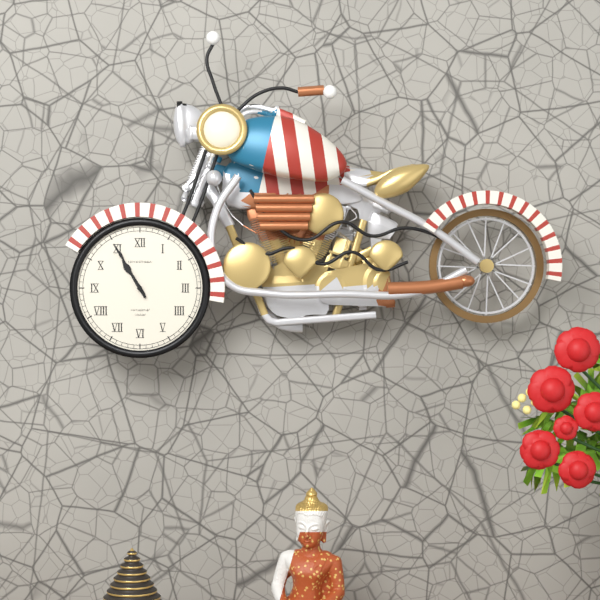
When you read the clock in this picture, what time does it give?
10:55
